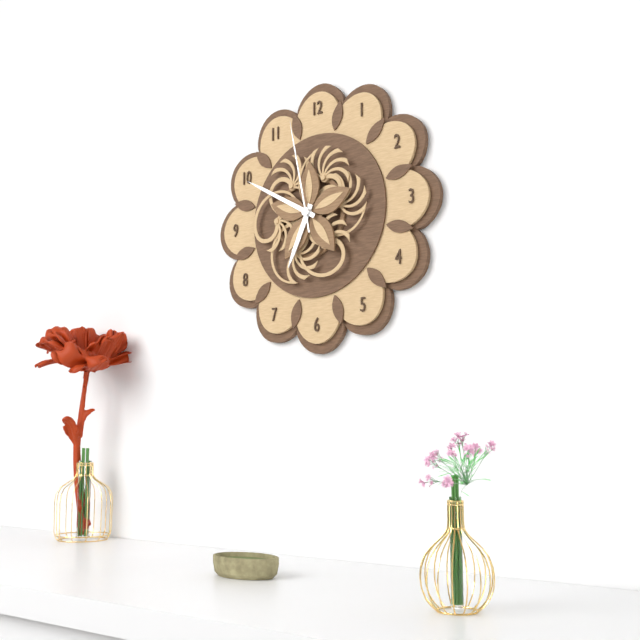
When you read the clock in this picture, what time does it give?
6:50:58
